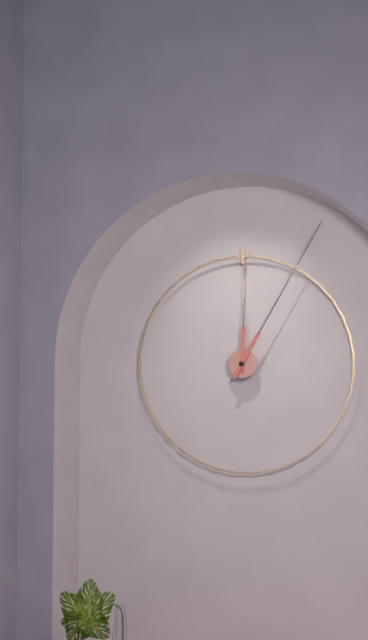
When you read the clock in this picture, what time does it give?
12:05
